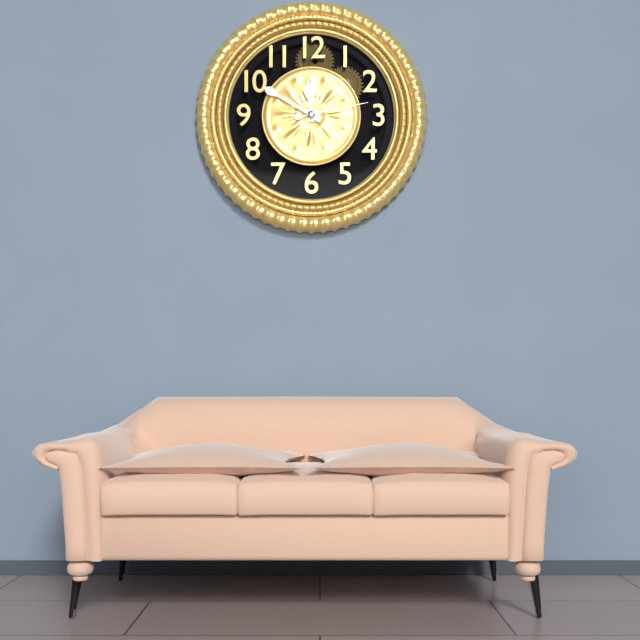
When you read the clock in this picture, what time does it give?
11:50:13
